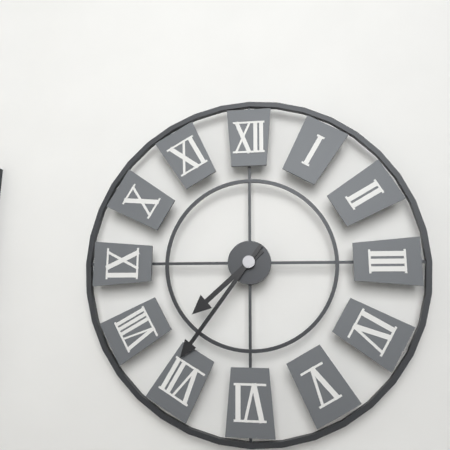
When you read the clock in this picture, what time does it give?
7:36
